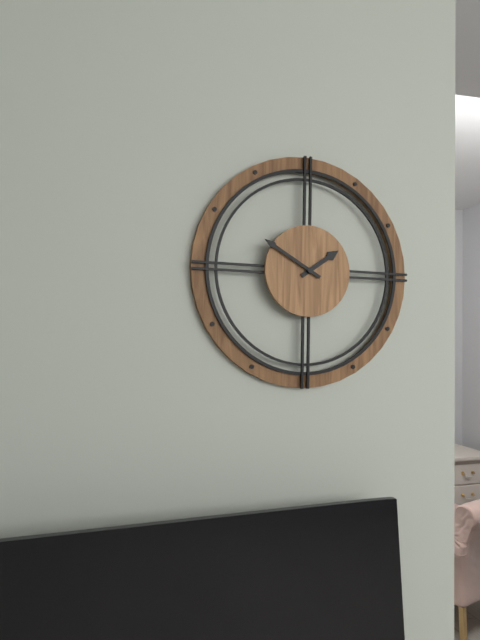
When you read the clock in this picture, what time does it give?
1:50
